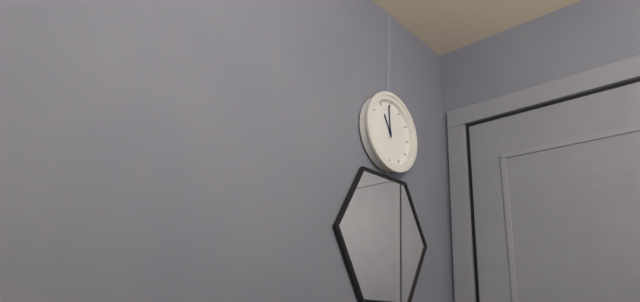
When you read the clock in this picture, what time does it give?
10:59
